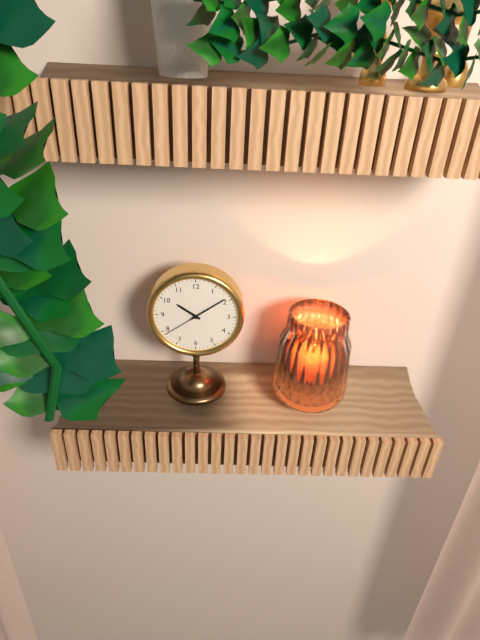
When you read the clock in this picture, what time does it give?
10:09
